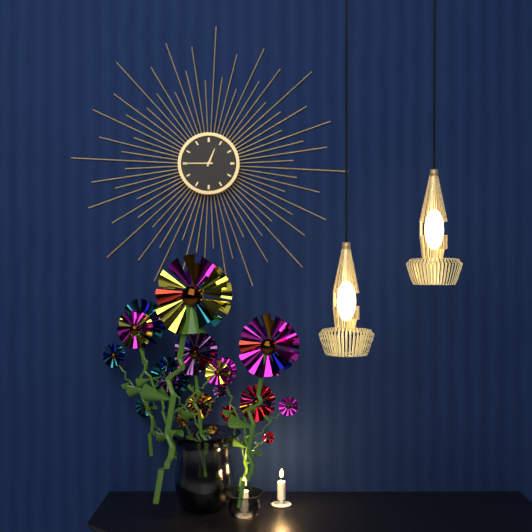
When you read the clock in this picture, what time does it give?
12:45
